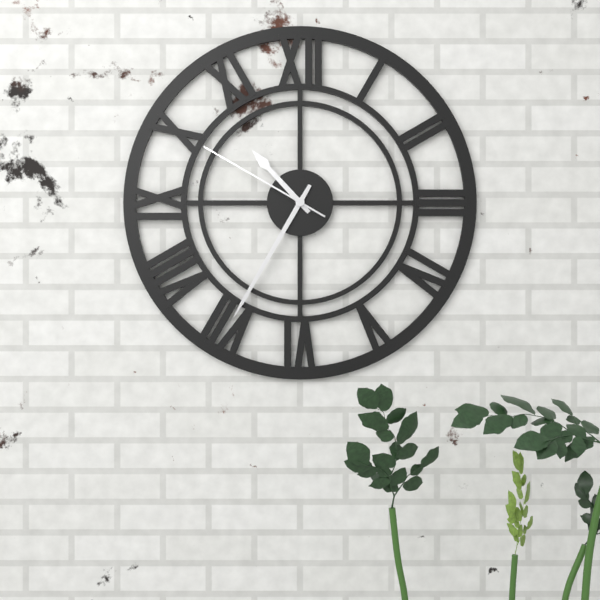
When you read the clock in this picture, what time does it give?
10:35:50
